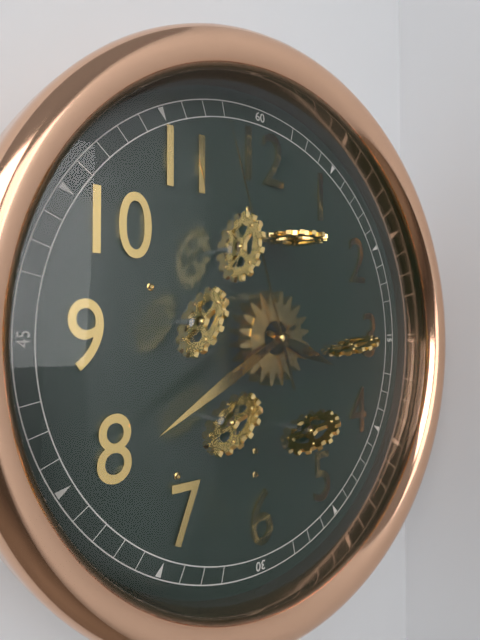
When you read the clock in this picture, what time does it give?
3:40:57
